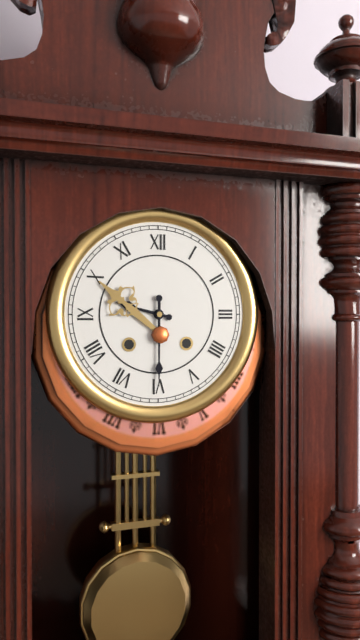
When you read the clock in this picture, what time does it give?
9:30
